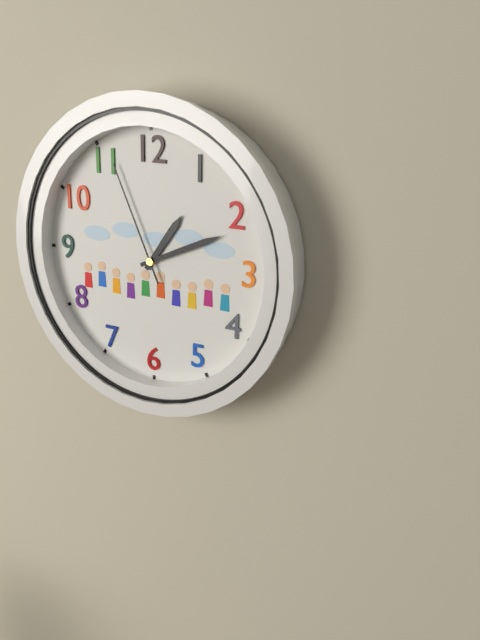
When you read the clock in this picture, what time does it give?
1:11:56
